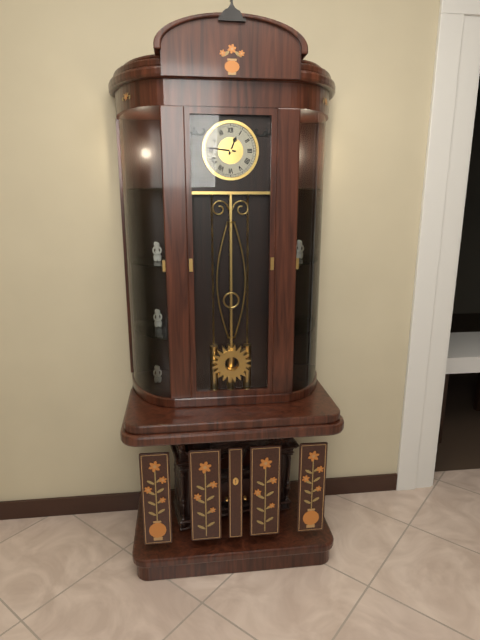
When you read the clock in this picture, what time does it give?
12:46
